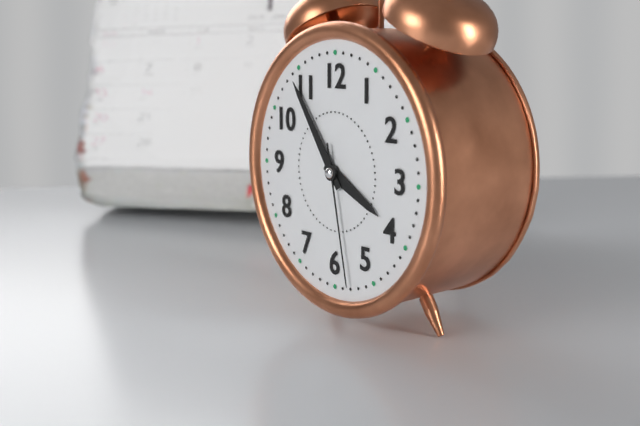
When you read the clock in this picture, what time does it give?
3:54:28
